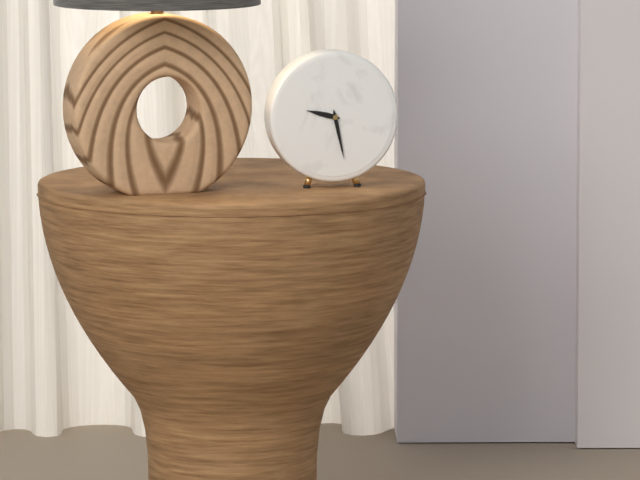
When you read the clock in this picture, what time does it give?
9:28
